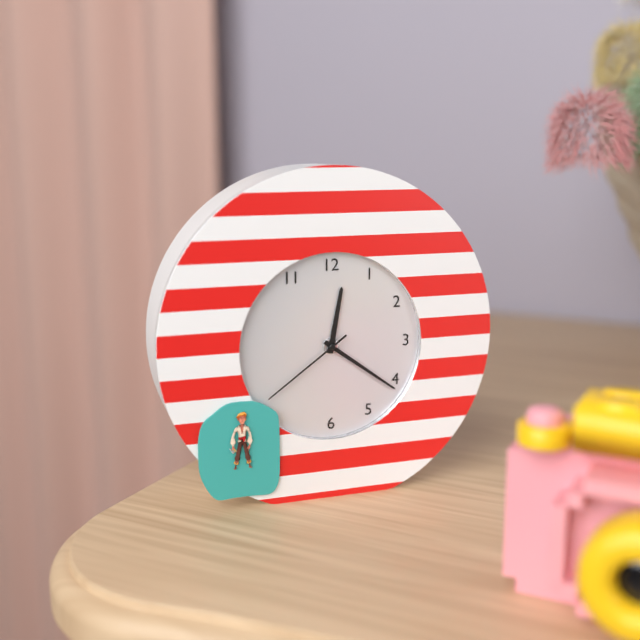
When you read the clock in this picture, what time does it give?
12:21:39
